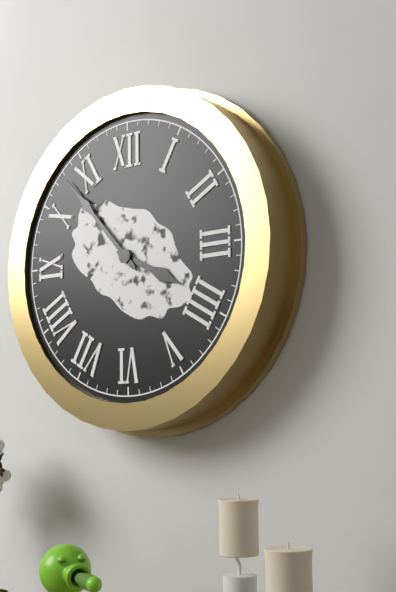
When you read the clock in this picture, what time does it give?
3:53
